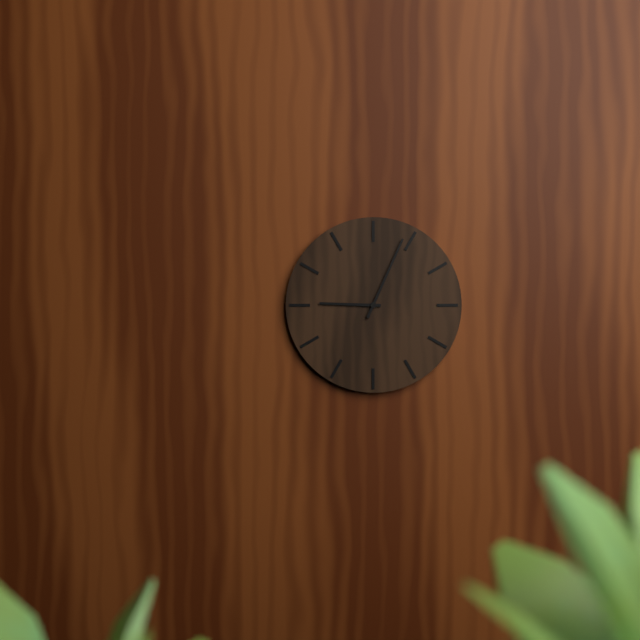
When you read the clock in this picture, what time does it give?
9:04
